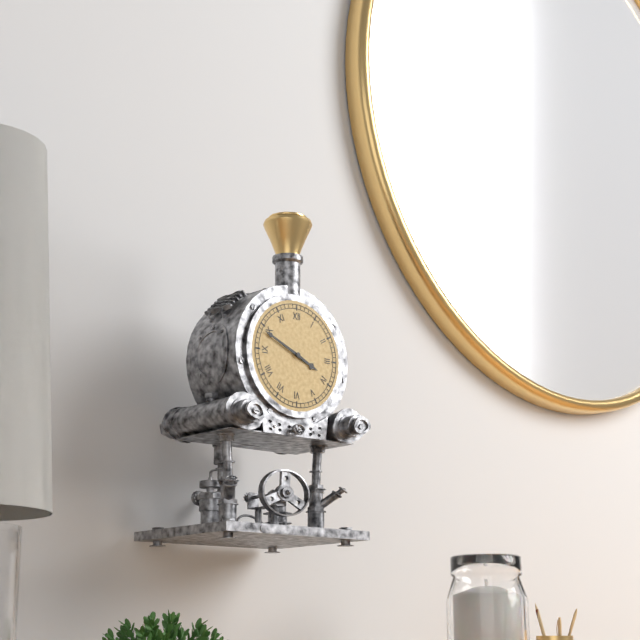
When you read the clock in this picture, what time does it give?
3:49
